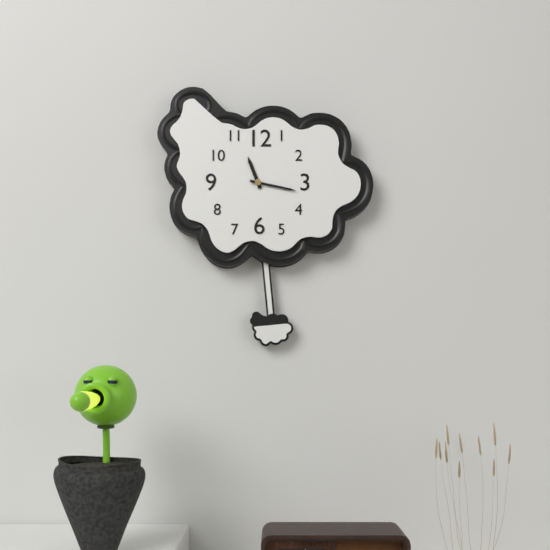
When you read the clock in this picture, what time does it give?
11:17
